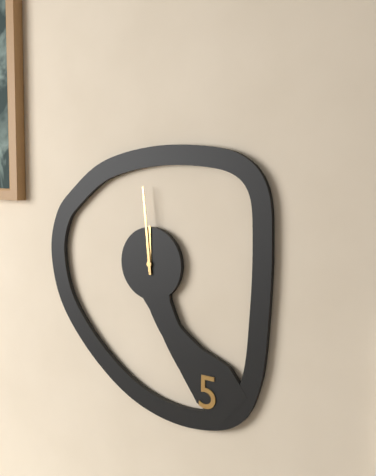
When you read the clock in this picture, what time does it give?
11:59
